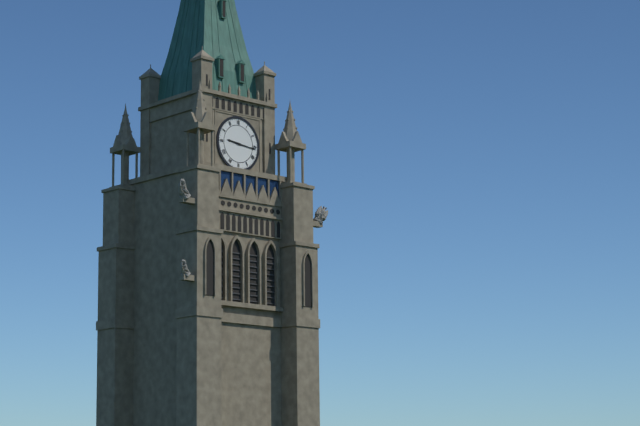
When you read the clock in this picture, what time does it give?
9:16
